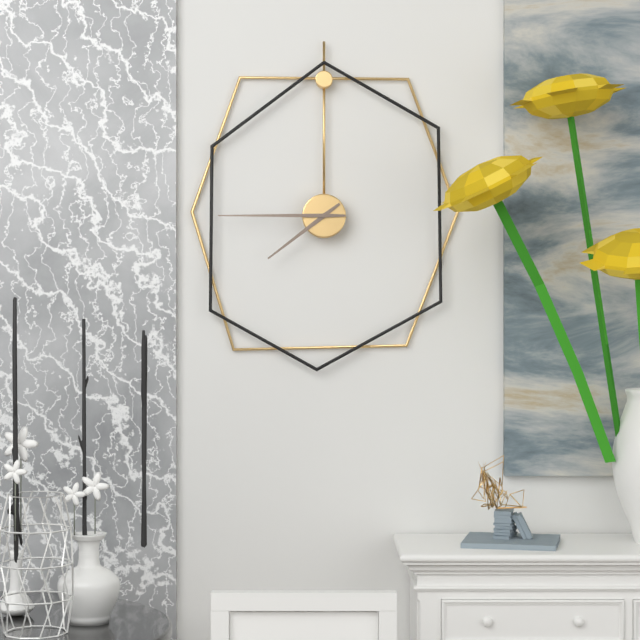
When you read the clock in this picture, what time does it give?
7:45
